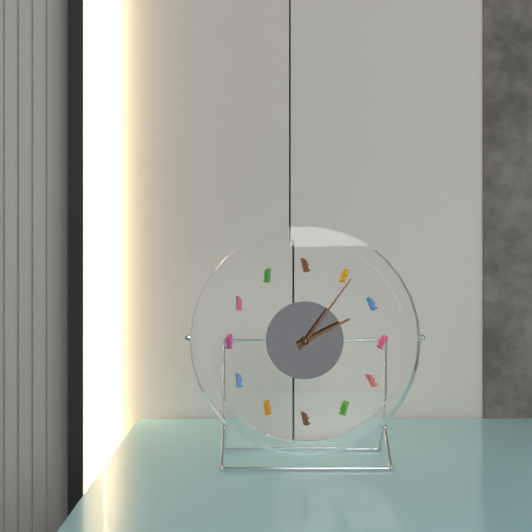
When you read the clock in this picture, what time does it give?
2:06
